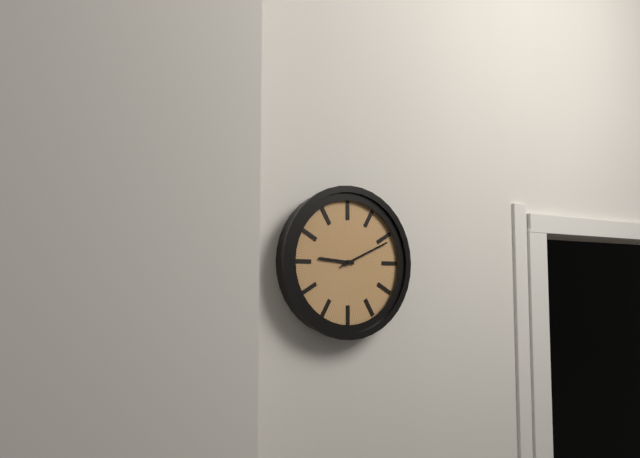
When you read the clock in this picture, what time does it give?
9:11
